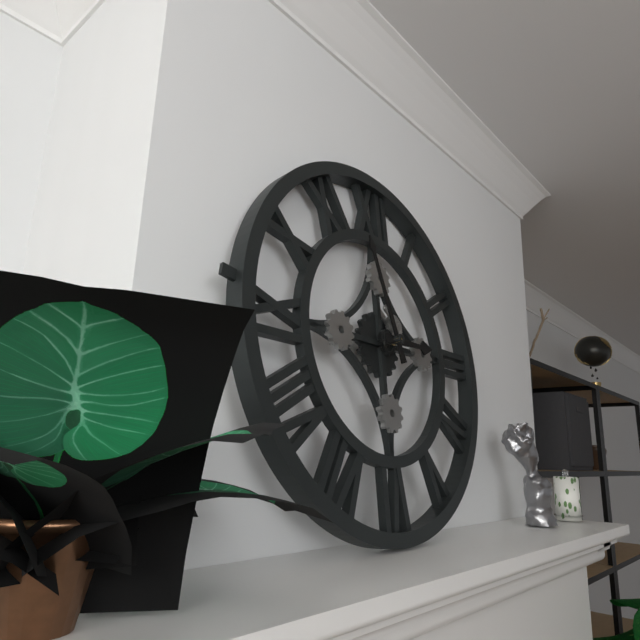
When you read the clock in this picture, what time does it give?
2:57
